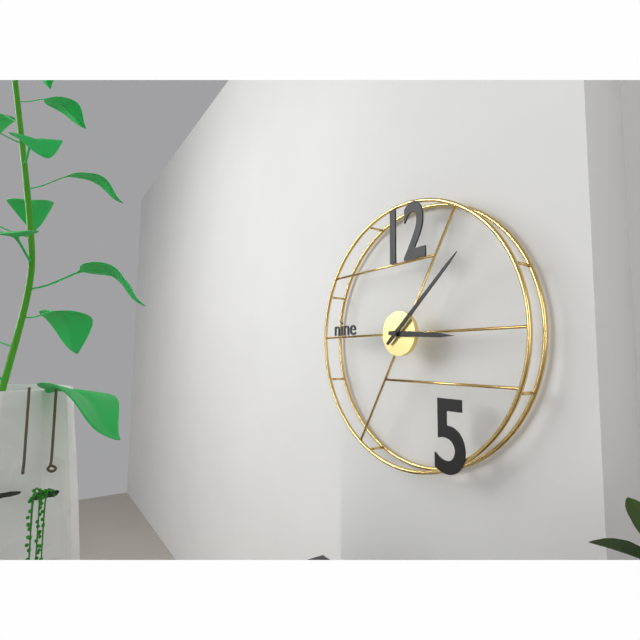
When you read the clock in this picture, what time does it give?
3:08
